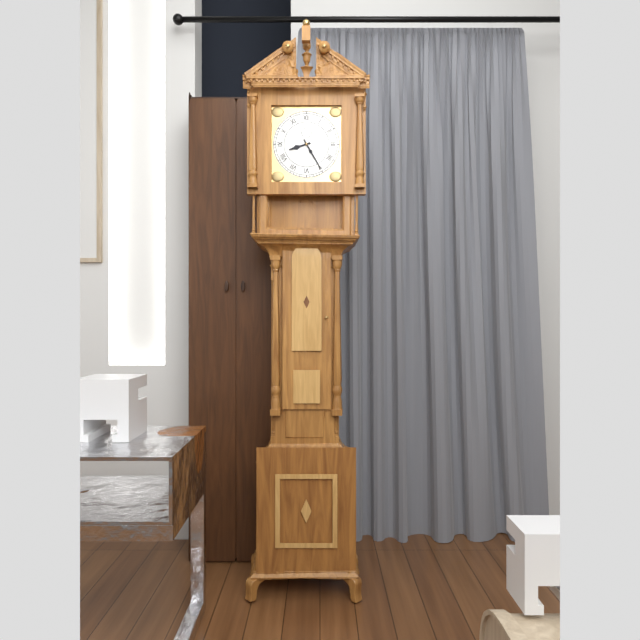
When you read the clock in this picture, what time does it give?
8:25
